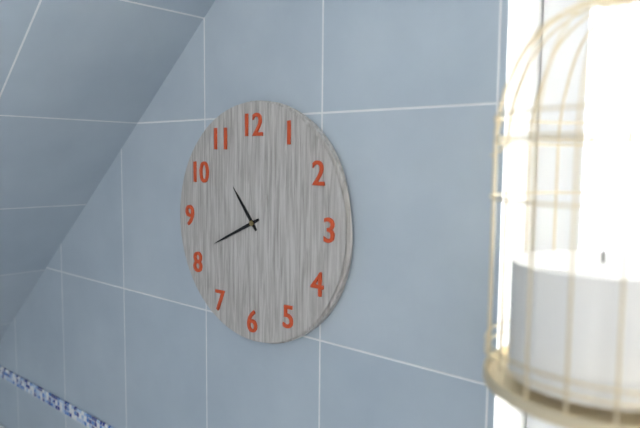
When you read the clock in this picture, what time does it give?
10:41
